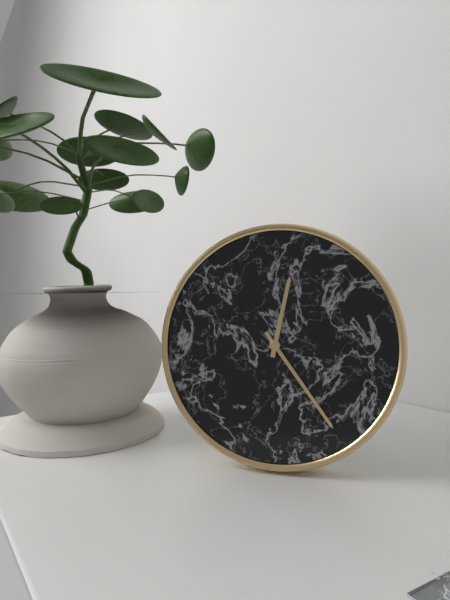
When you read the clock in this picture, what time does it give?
12:24
